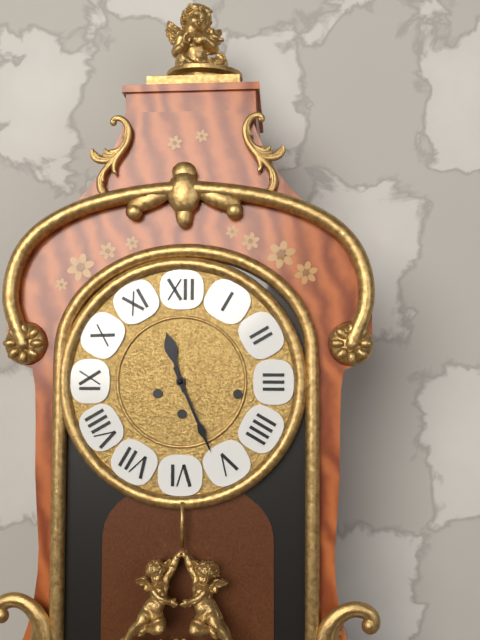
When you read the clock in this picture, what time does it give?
11:26
